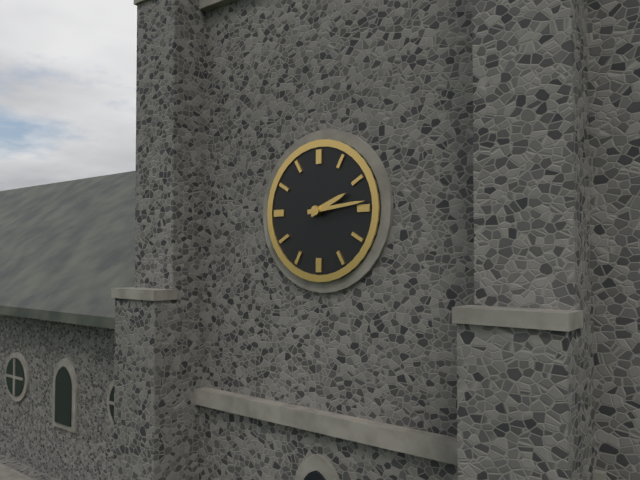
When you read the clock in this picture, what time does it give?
2:14
